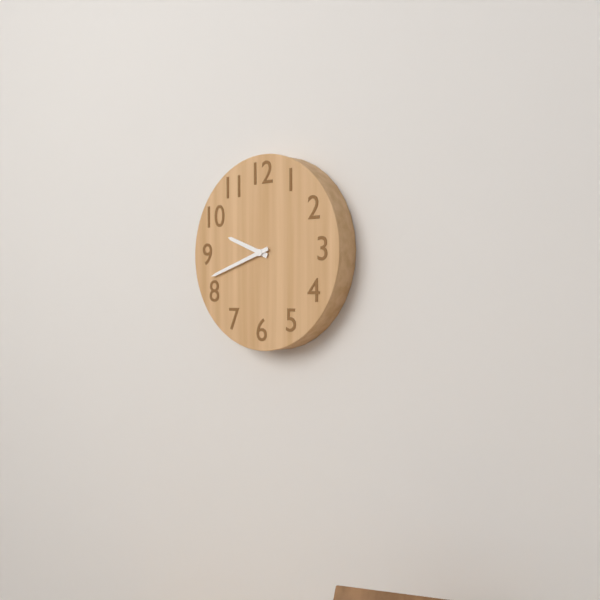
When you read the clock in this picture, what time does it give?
9:42
